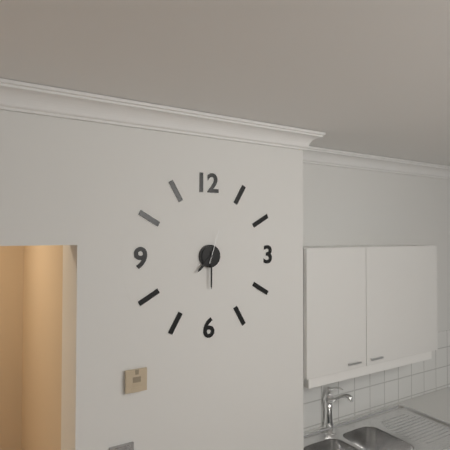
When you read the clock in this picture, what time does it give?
7:30
